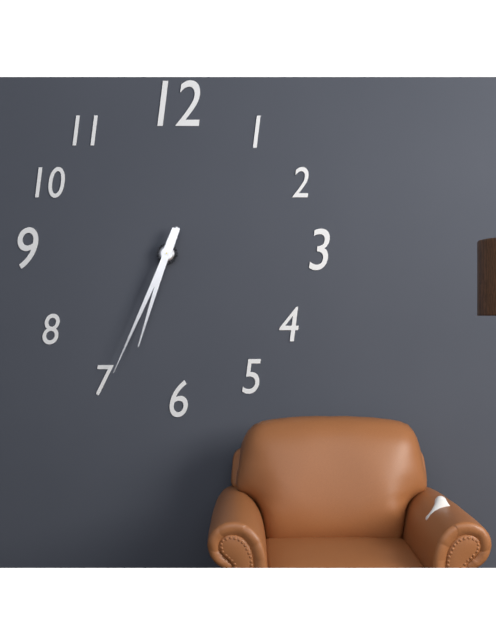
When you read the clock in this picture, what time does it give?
6:34
